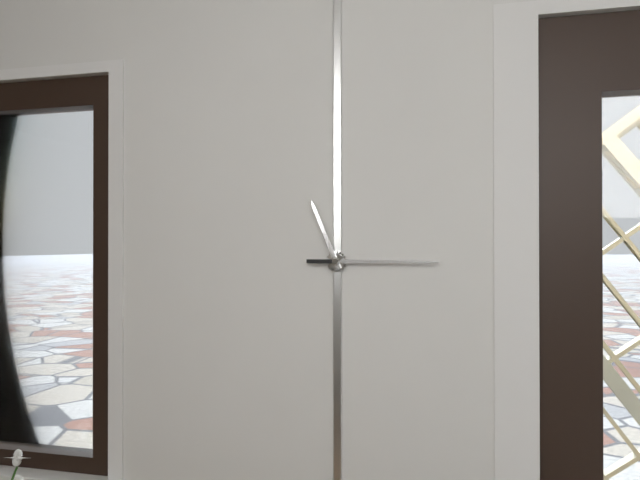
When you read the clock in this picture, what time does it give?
11:15
